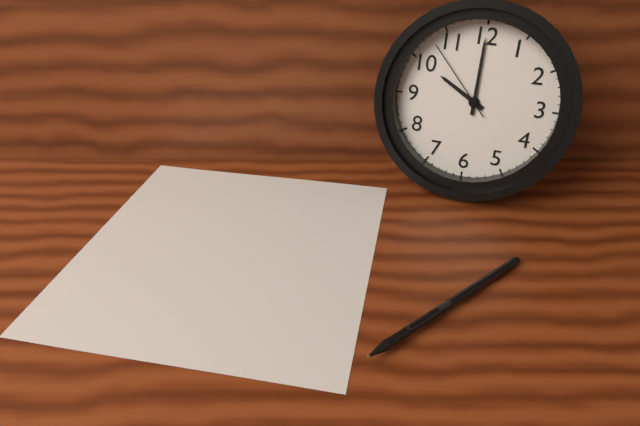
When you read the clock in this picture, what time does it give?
10:00:53
